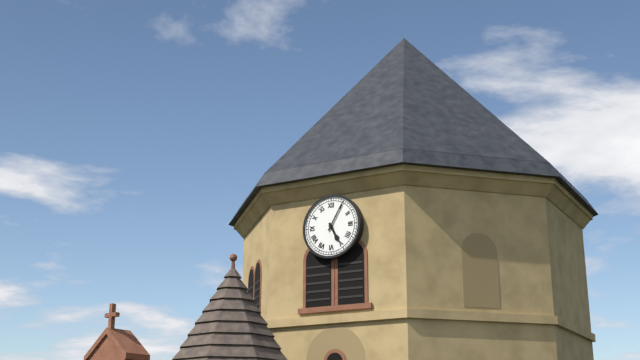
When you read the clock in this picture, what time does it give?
5:05
